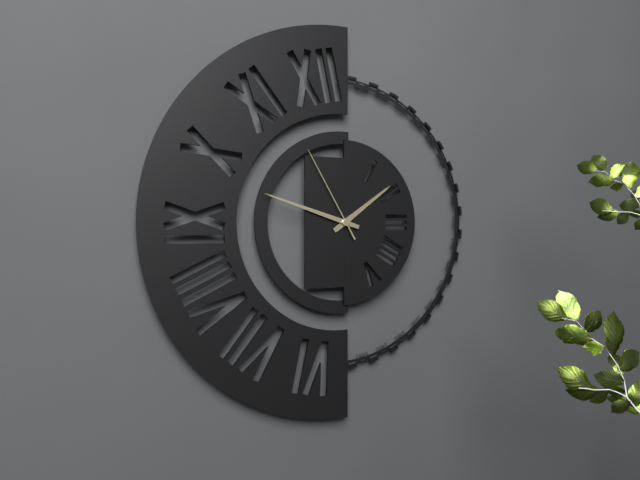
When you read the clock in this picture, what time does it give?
1:48:55
